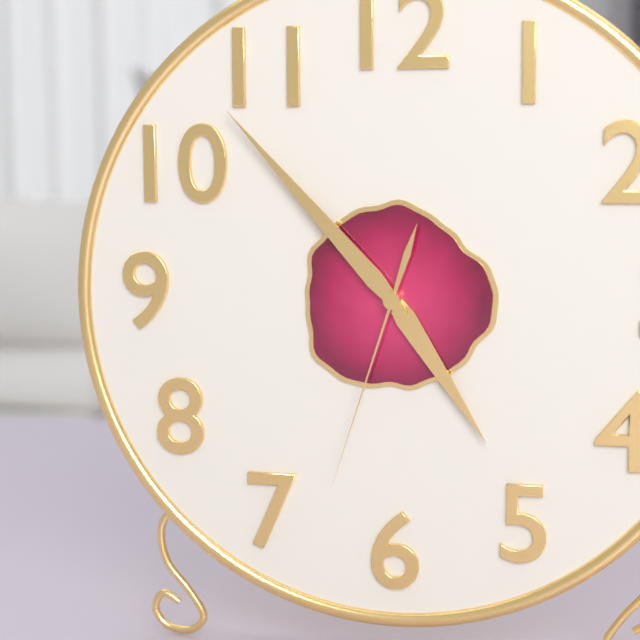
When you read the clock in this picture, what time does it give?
4:53:33
